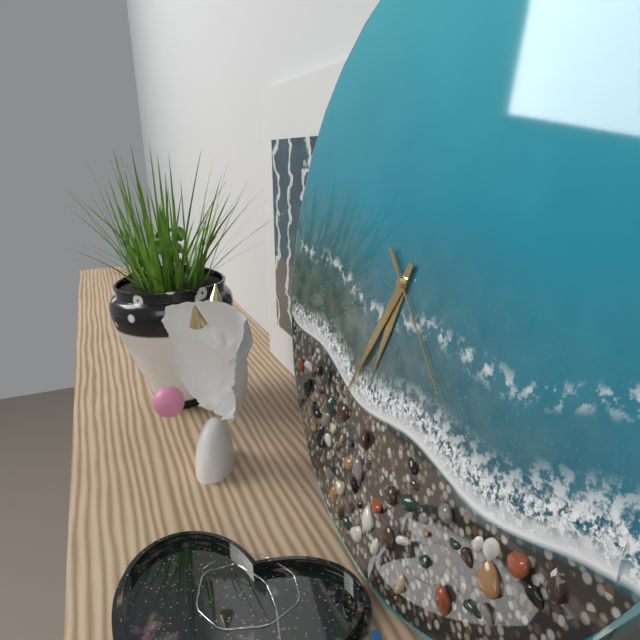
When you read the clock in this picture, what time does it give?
6:35:22
